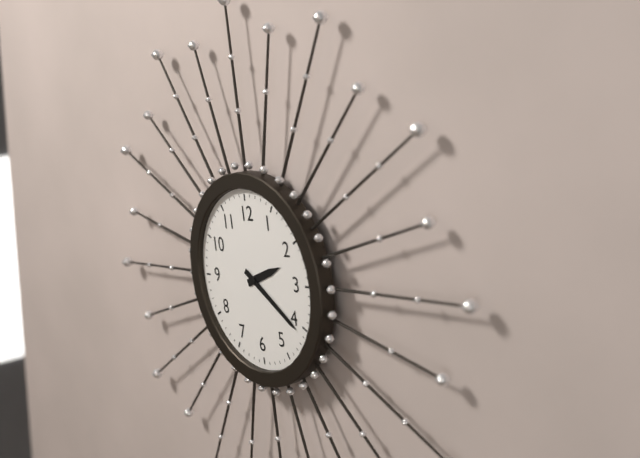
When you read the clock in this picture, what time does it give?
2:21
